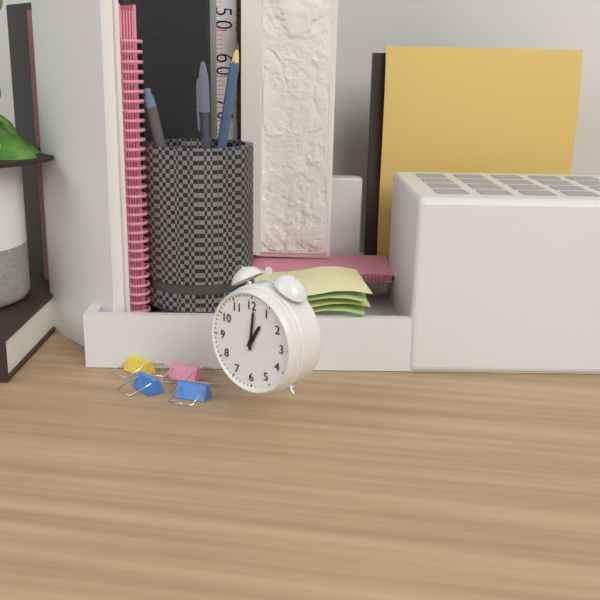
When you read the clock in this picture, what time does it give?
1:01
